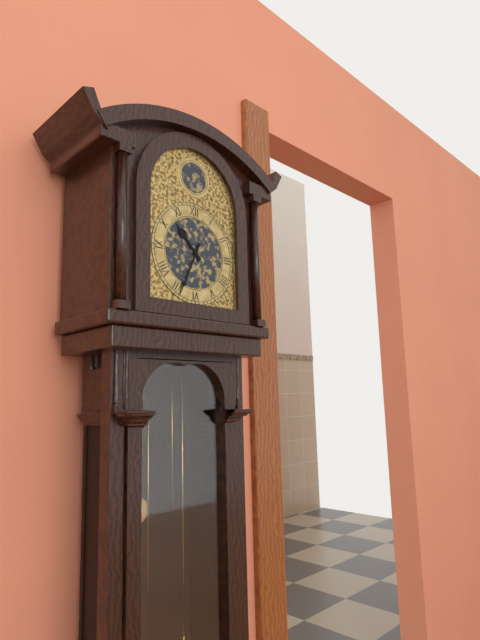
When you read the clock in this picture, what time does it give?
10:34
